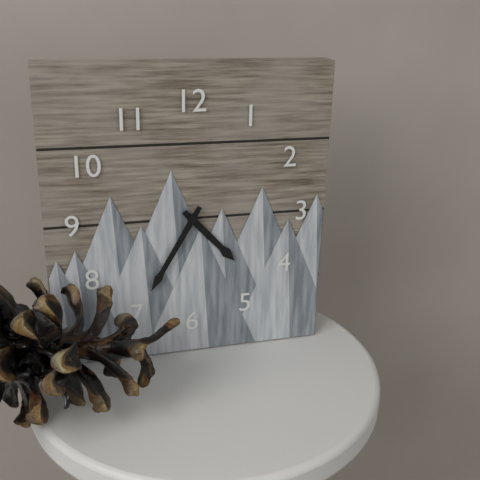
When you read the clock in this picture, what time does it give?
4:35
